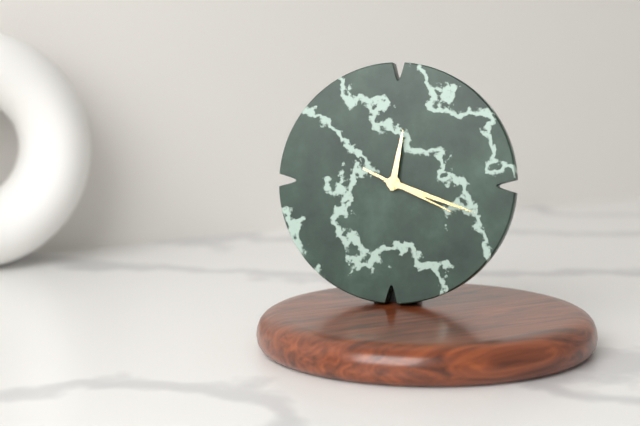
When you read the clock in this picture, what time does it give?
12:18:19
